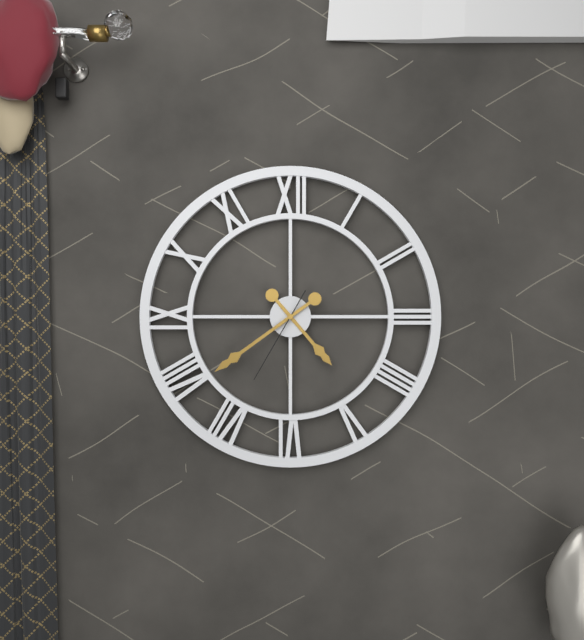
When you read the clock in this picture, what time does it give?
4:39:35
